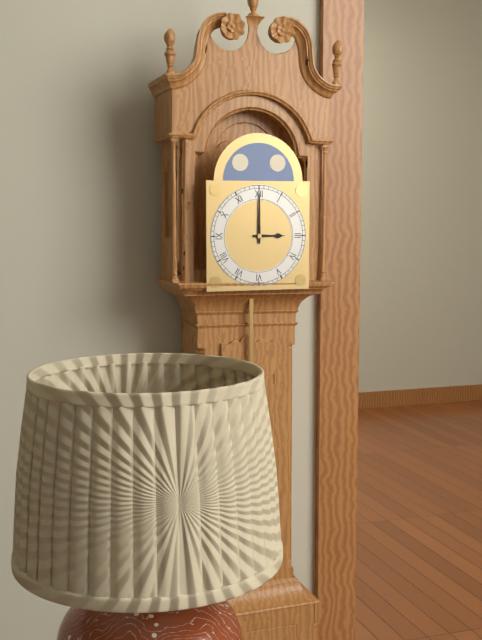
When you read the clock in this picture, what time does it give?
3:00
